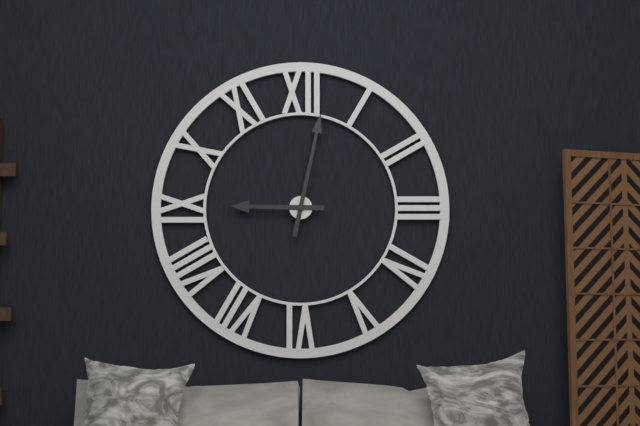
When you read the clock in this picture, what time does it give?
9:02
